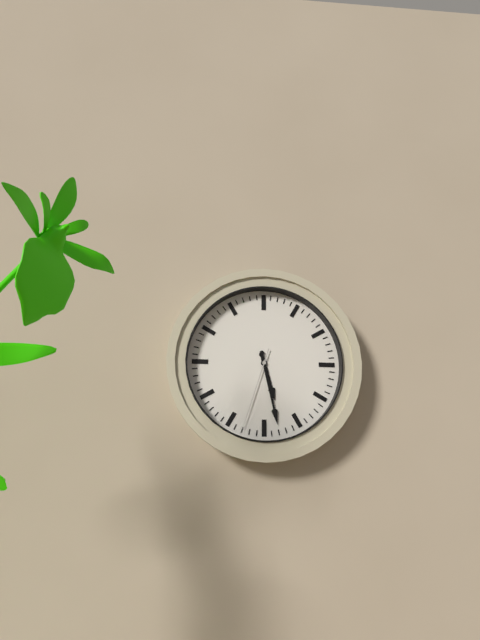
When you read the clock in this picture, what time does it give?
5:28:33
